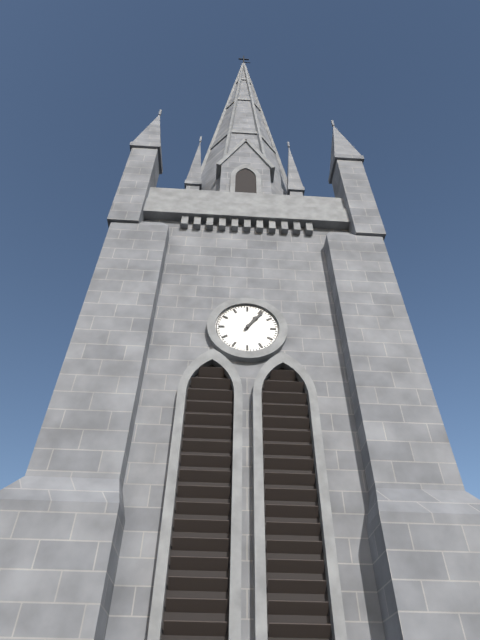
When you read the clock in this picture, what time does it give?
1:06
